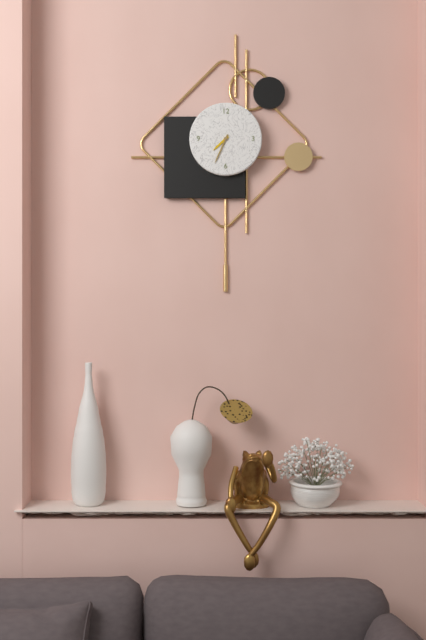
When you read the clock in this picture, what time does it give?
7:34
